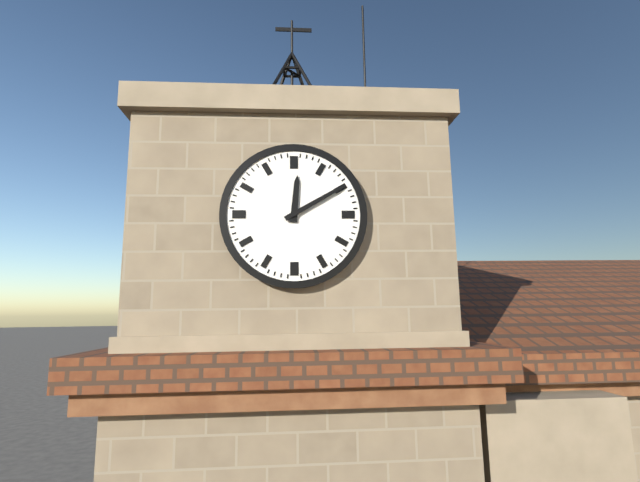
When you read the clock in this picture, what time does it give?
12:10
